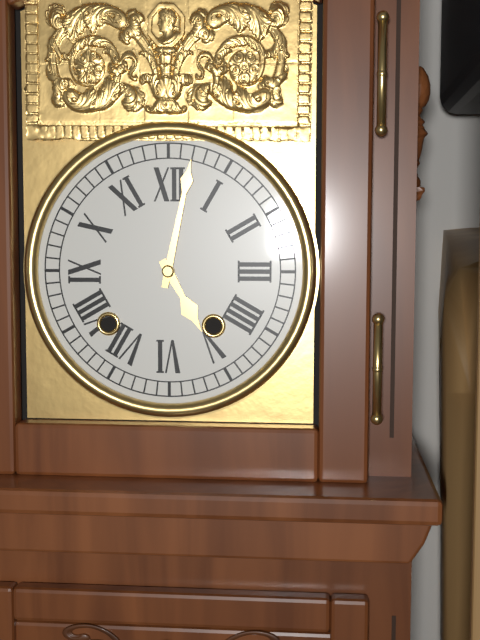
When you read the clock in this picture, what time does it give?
5:02
